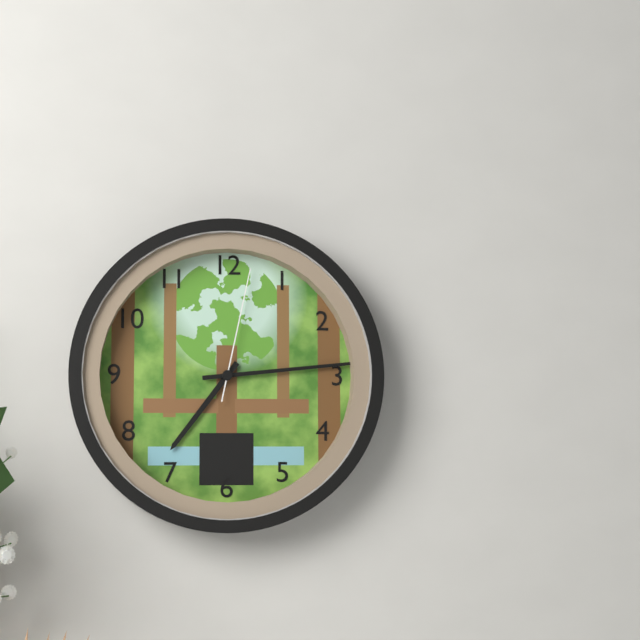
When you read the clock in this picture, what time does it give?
7:14:02
